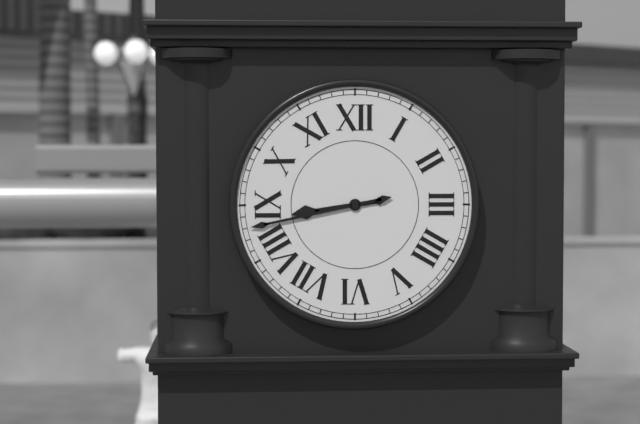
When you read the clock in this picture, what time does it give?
8:43
